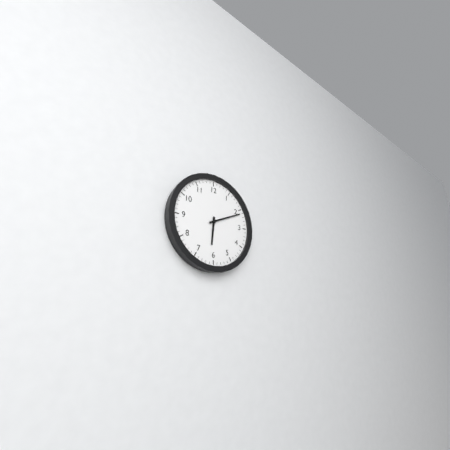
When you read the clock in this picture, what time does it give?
6:11
